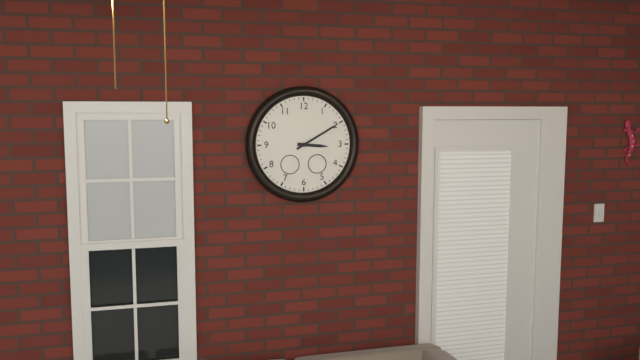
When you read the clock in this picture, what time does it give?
3:10
